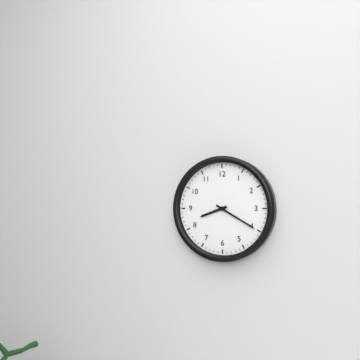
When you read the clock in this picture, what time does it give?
8:20
